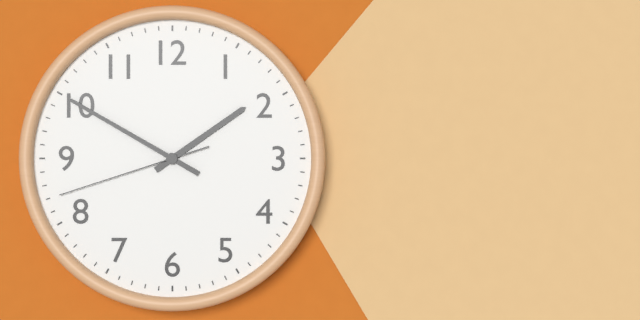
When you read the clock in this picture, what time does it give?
1:50:42
